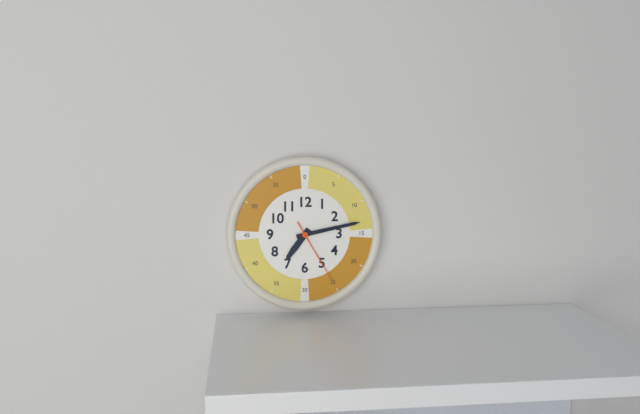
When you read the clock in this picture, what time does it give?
7:13:25
